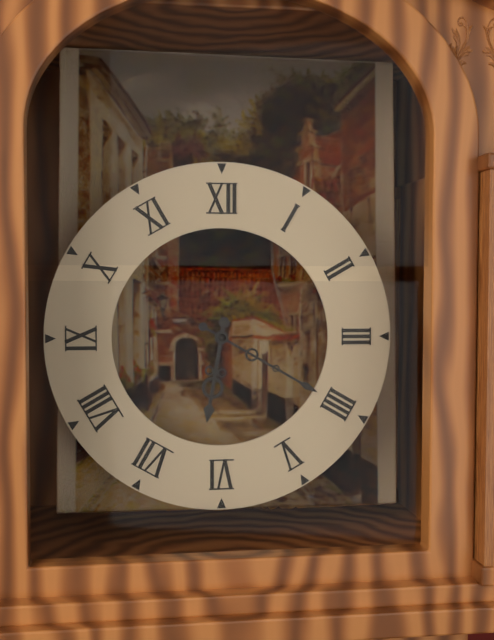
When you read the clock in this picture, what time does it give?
6:20
